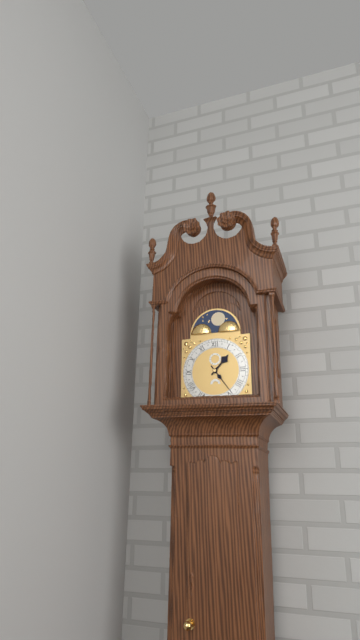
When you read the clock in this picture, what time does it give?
1:24
